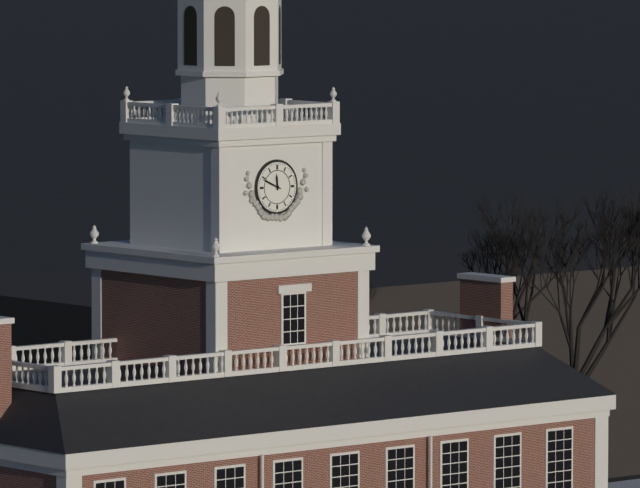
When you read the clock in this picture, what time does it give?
11:49
